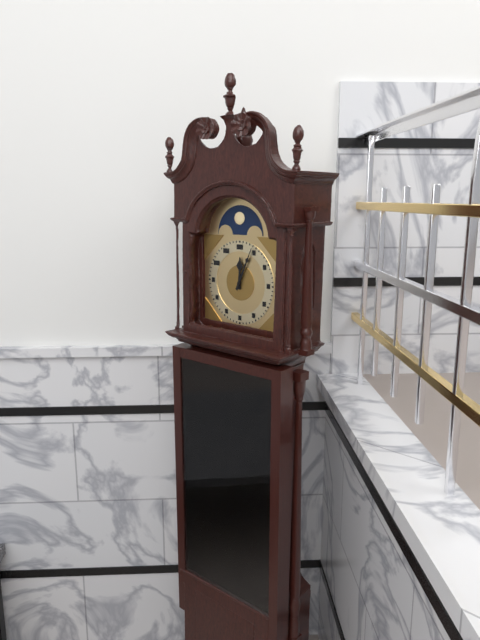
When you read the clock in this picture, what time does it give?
12:04
